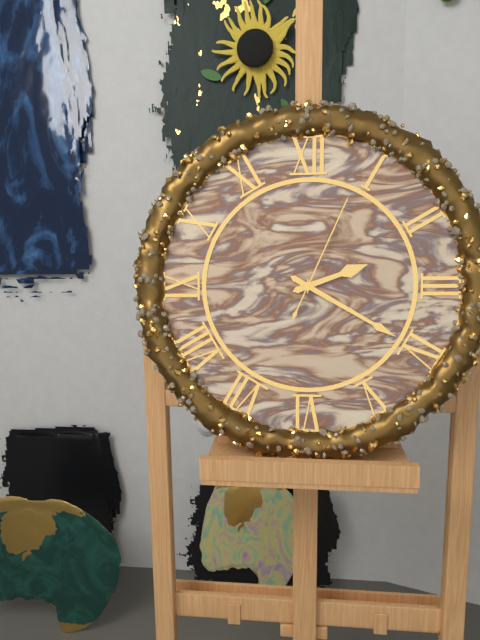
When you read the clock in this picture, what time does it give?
2:20:04
